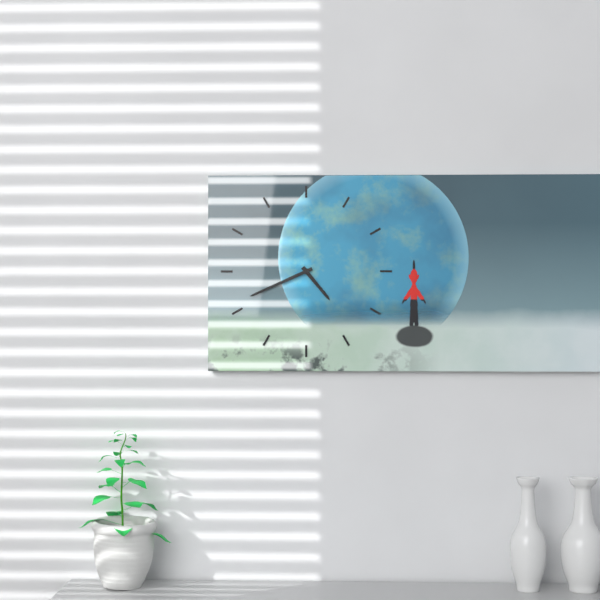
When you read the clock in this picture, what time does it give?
4:41
